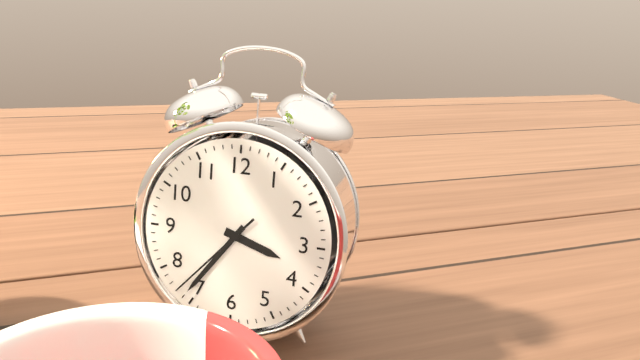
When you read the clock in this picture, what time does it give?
3:36:37
